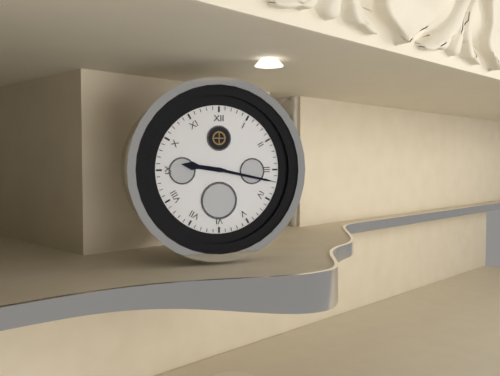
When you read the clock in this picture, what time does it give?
9:17
